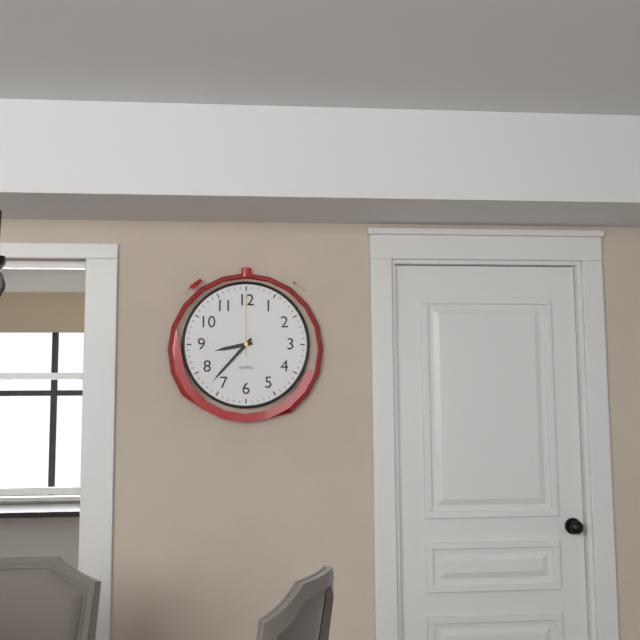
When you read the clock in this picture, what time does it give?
8:37:00
